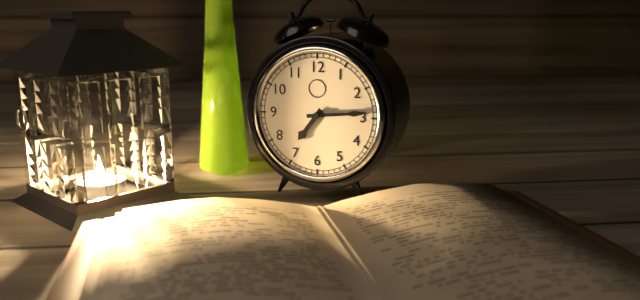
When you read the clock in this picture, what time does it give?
7:14
